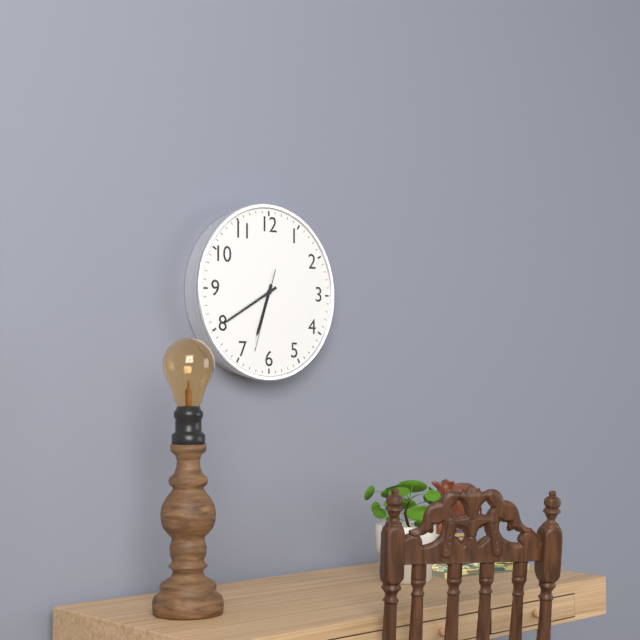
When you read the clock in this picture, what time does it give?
6:40:33
